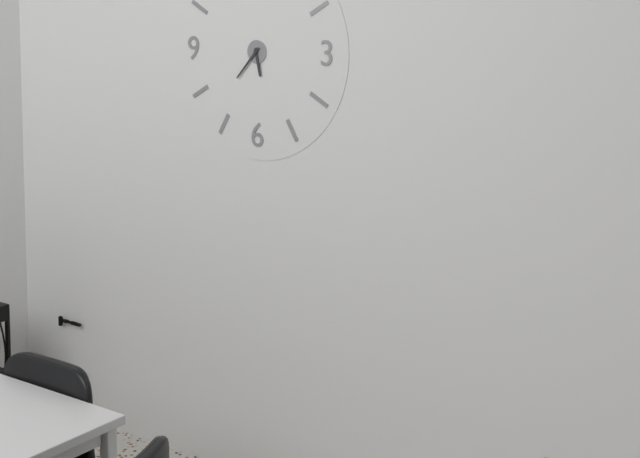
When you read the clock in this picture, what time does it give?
5:37
